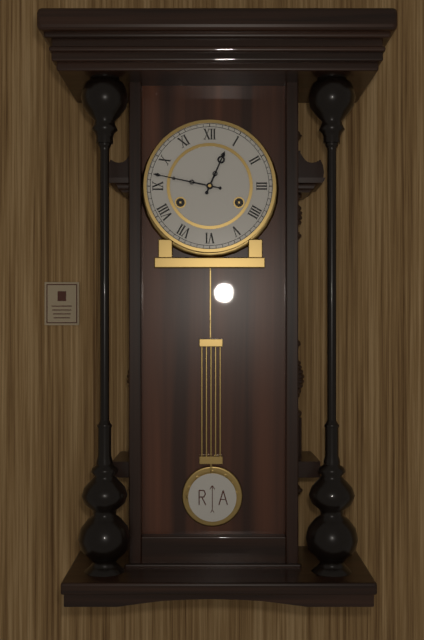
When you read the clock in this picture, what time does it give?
12:47
